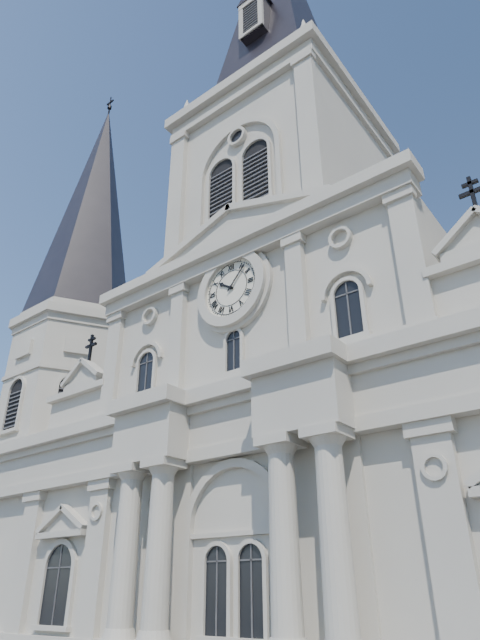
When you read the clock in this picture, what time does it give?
10:07
